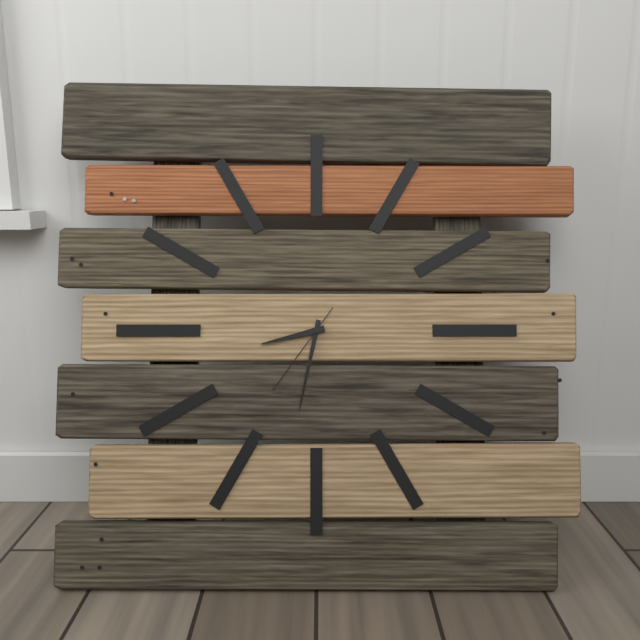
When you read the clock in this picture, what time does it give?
8:32:36
